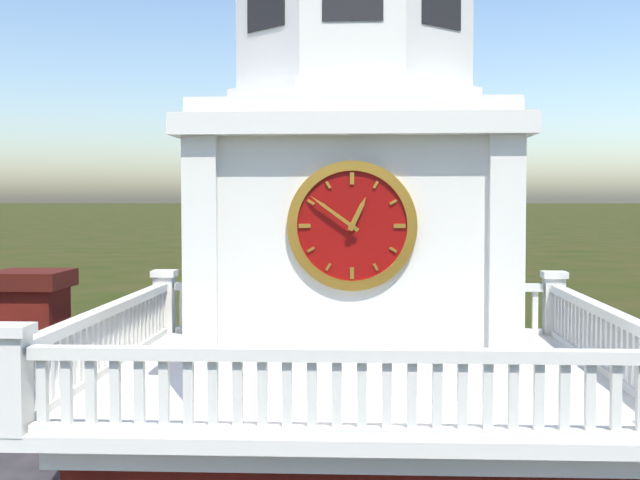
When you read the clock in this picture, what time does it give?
12:51
